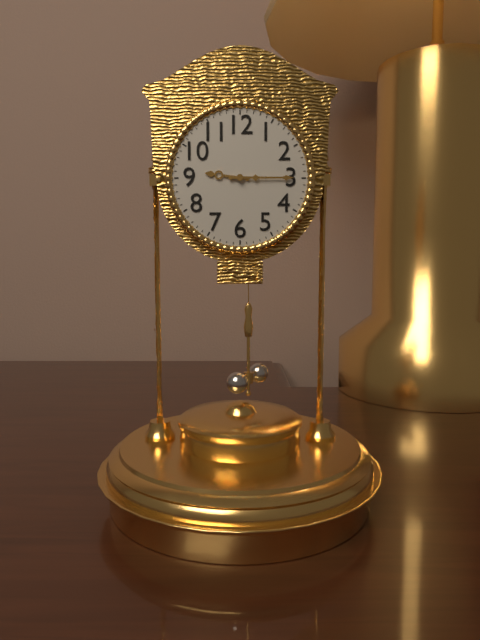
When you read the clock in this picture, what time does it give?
9:15
